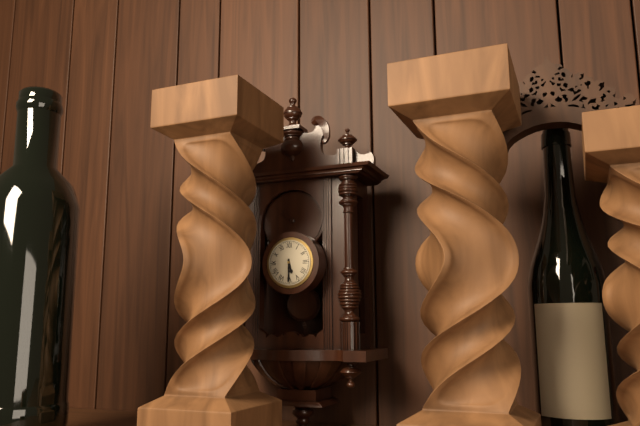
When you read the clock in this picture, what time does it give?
5:30
